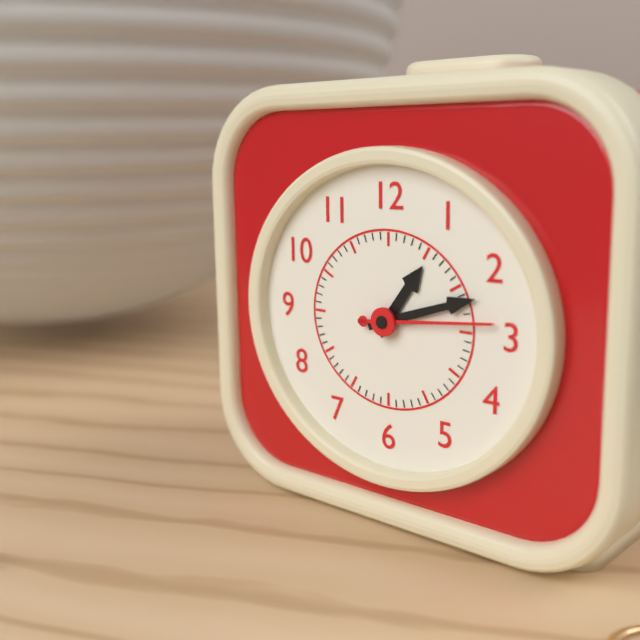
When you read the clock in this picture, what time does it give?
1:12:14
